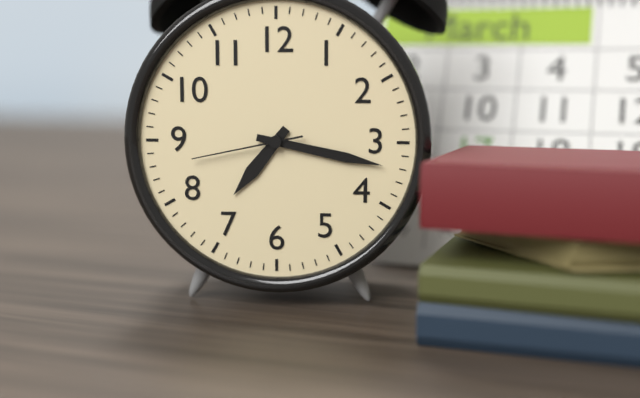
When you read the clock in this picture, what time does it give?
7:17:43
